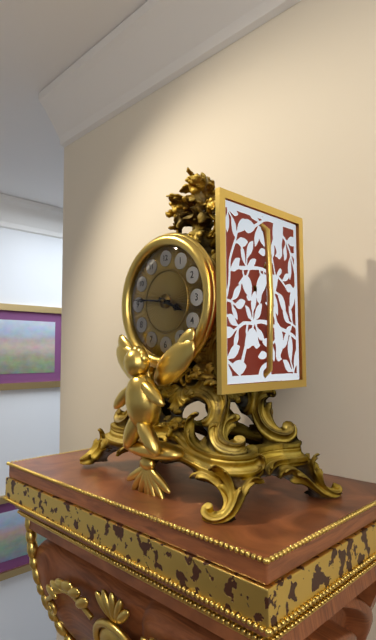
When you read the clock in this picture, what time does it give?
3:46
